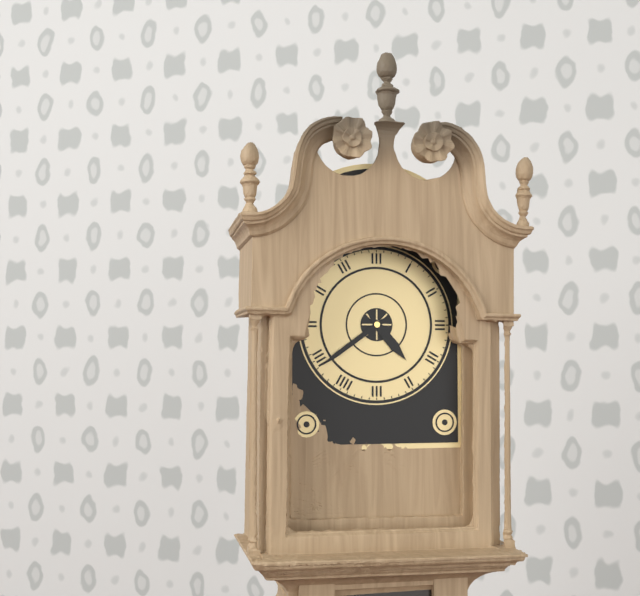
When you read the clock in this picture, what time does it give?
4:39
